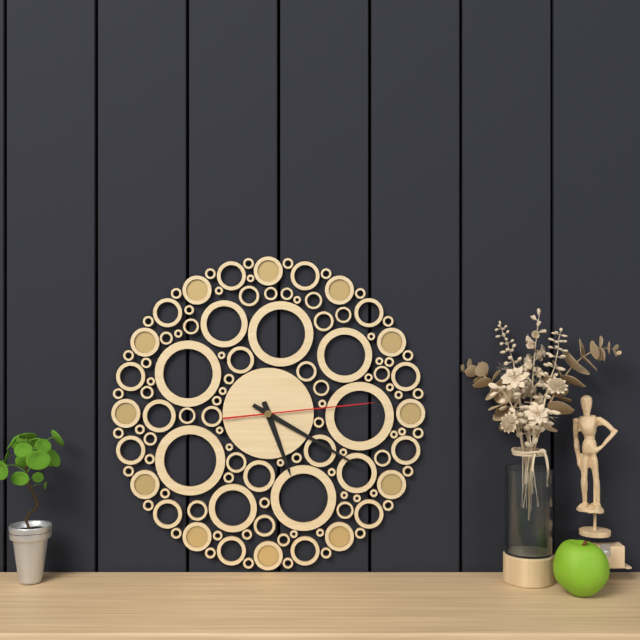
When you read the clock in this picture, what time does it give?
5:20:14
